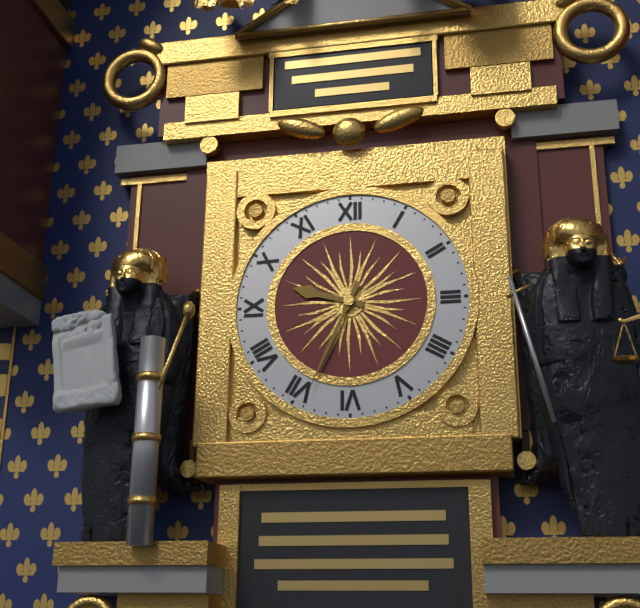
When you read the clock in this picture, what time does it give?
9:34
